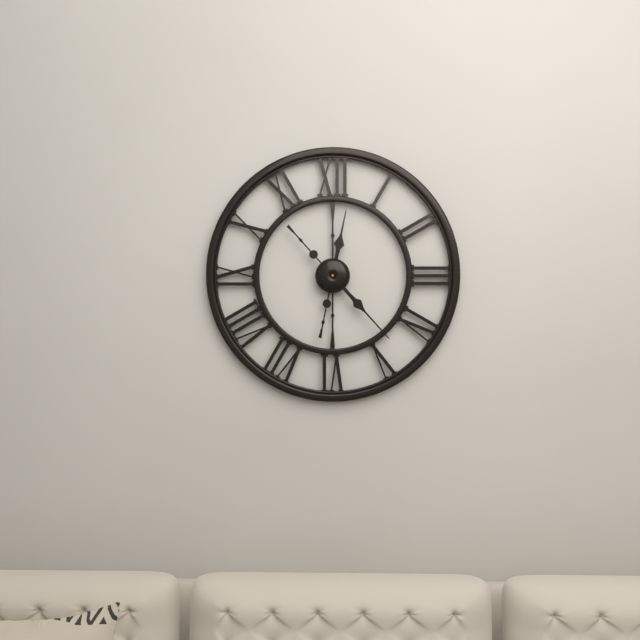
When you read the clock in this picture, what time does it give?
12:23
